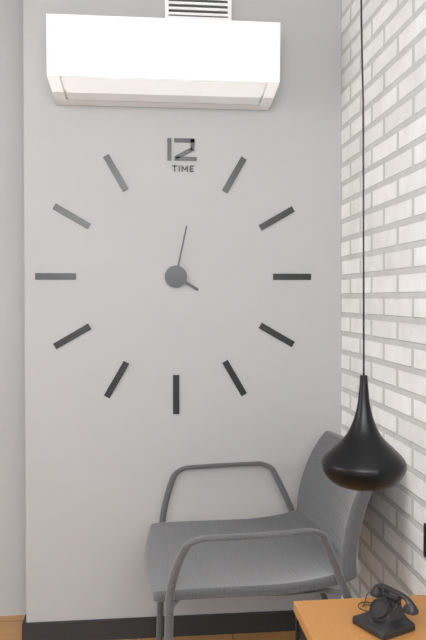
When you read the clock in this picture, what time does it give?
4:02
